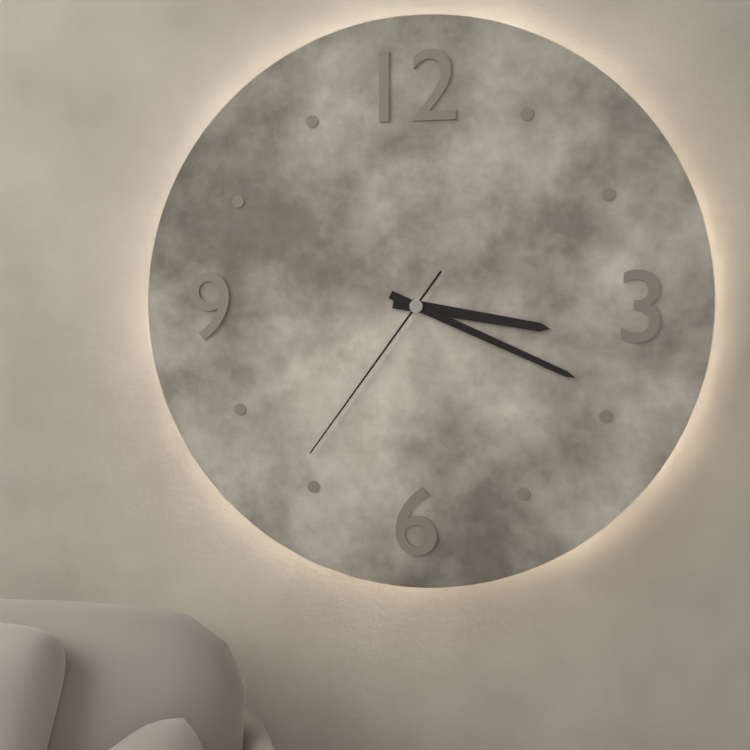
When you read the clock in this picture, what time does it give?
3:19:36
